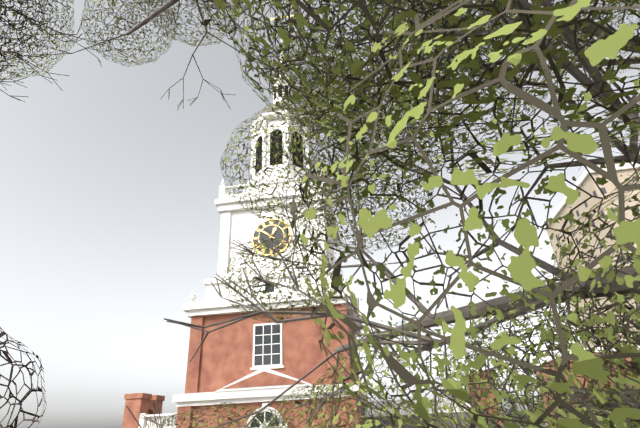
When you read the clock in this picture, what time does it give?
12:51
